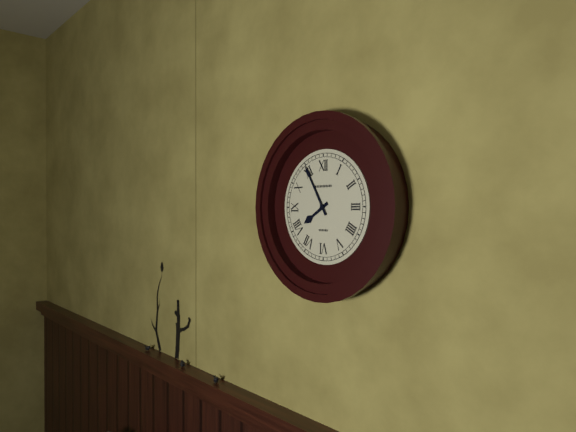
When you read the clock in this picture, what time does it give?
7:55
